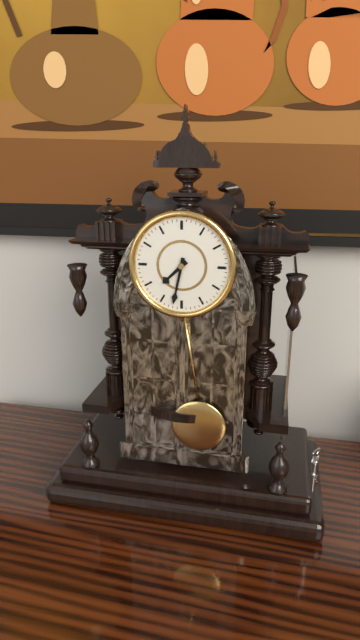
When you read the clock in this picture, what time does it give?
7:32
